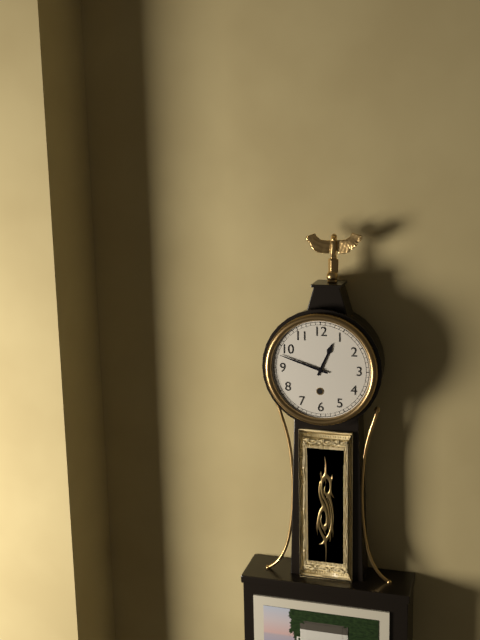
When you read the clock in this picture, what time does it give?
12:48
